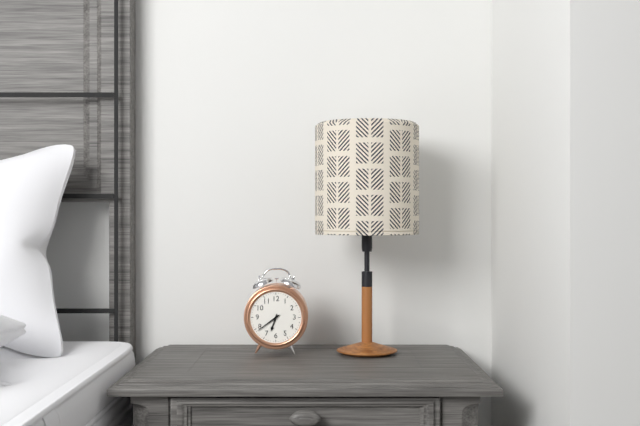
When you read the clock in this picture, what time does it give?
6:39
